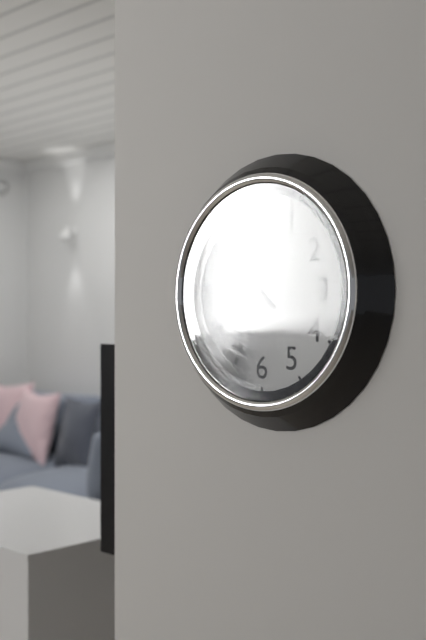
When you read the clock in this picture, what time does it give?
10:52
